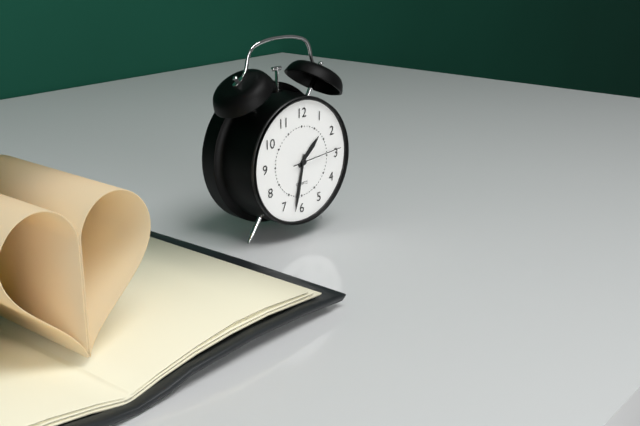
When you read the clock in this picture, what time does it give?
1:32
